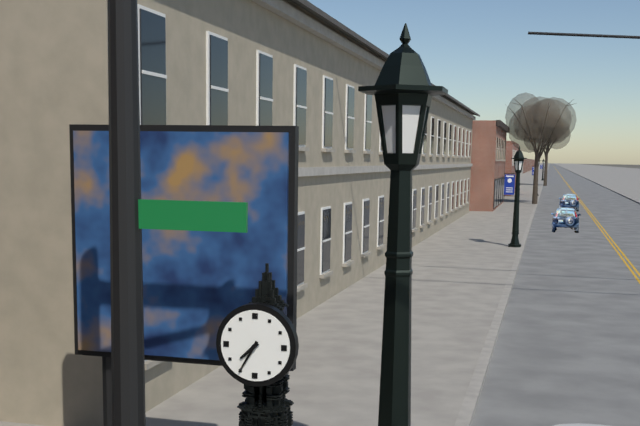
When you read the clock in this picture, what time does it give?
7:35
